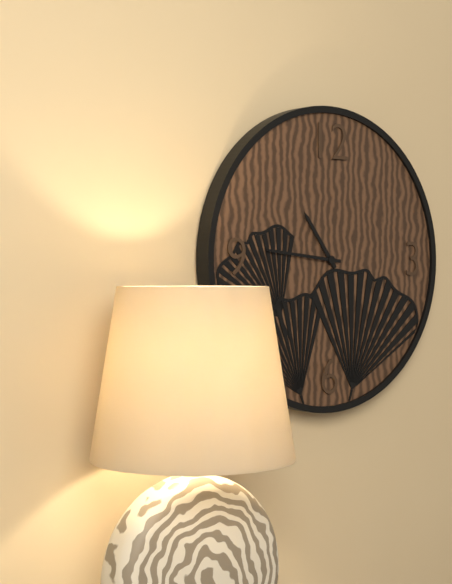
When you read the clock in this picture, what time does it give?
10:46
